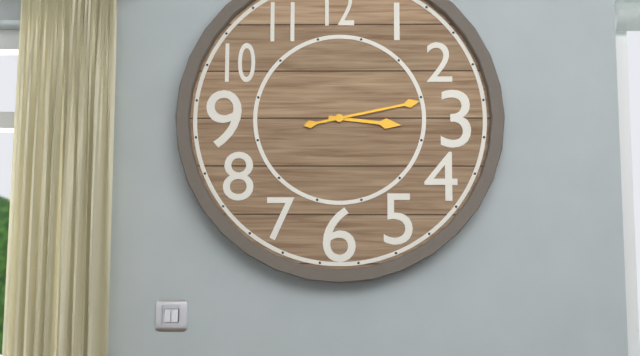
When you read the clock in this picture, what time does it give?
3:13
